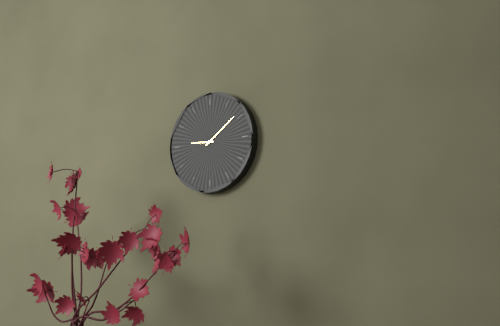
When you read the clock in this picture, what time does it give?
9:09
